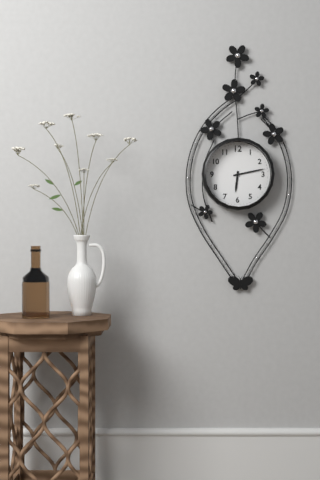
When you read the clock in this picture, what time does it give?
6:13
